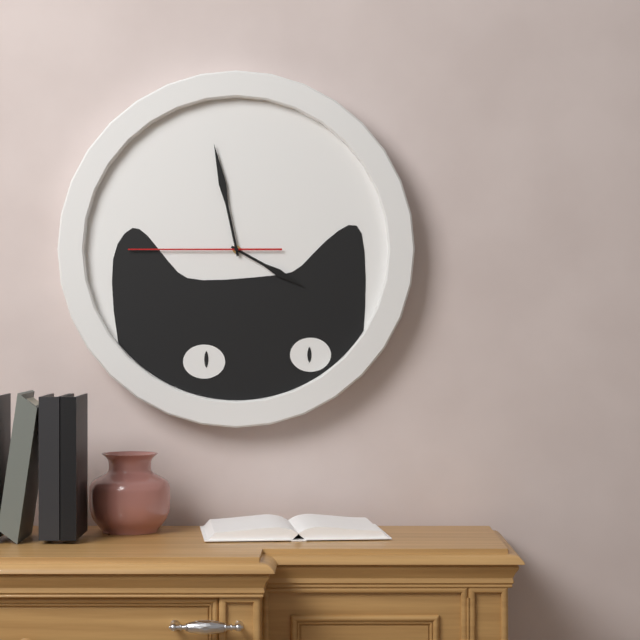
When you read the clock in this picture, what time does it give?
3:58:45
